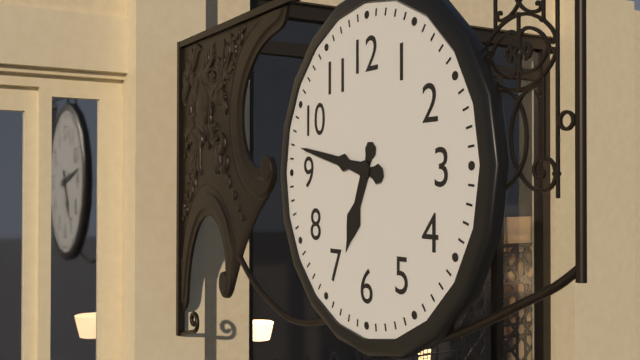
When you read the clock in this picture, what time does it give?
6:47
